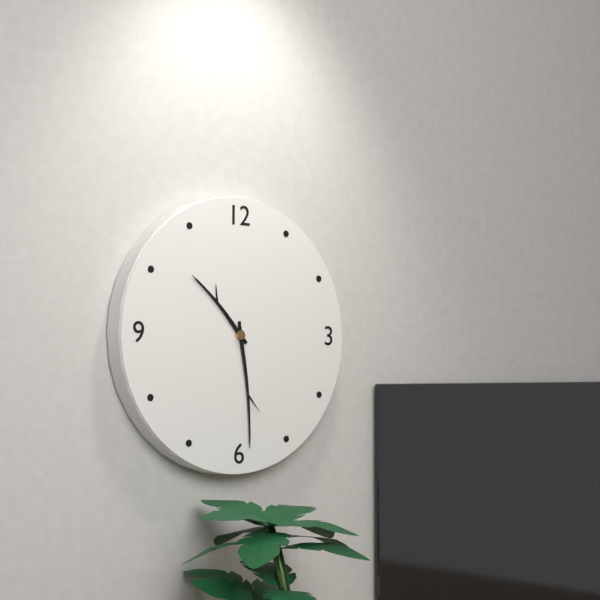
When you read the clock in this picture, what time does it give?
10:29
